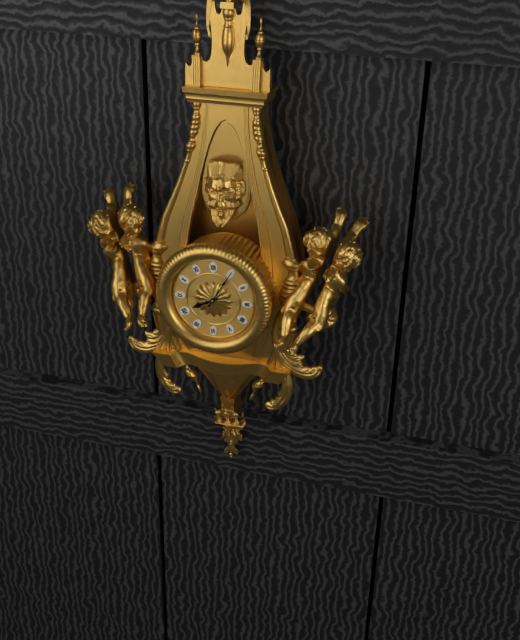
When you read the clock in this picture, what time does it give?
8:05
